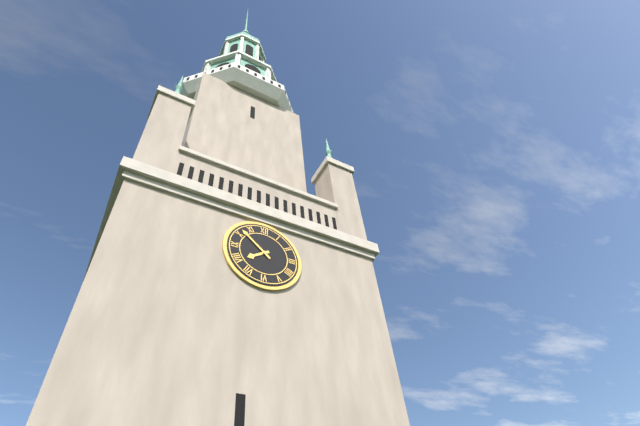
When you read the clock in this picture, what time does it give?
7:52
